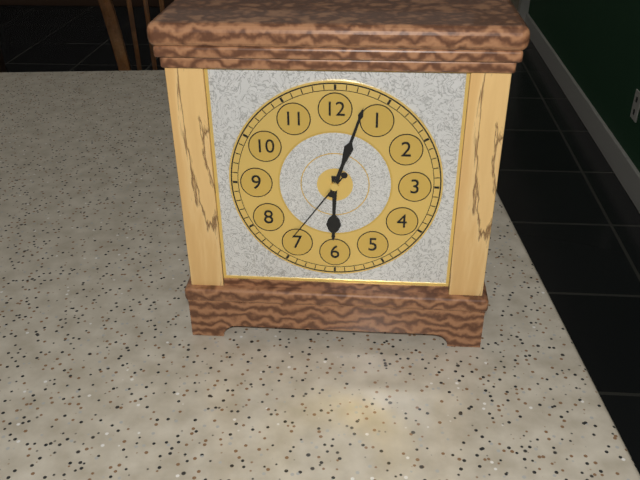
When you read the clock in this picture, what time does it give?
6:03:36
